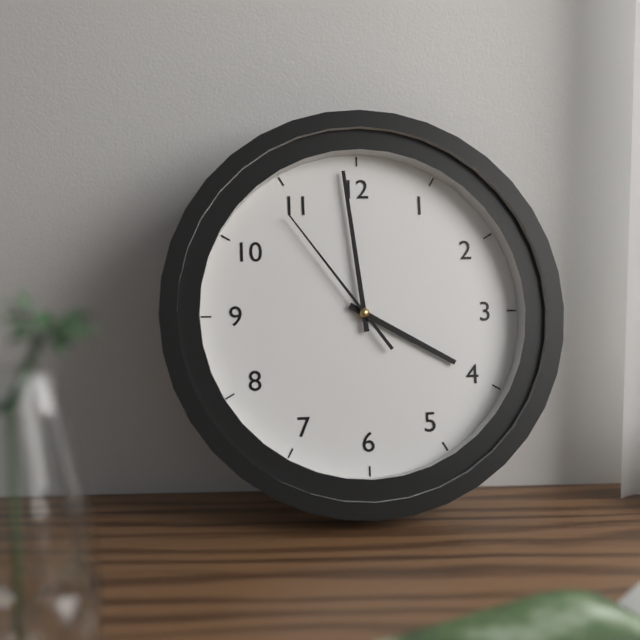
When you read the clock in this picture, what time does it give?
3:59:54
